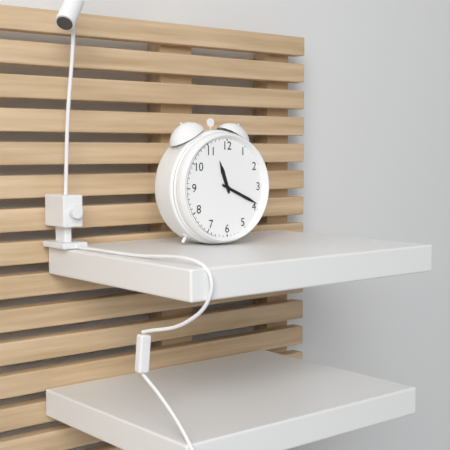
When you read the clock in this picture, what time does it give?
11:19
